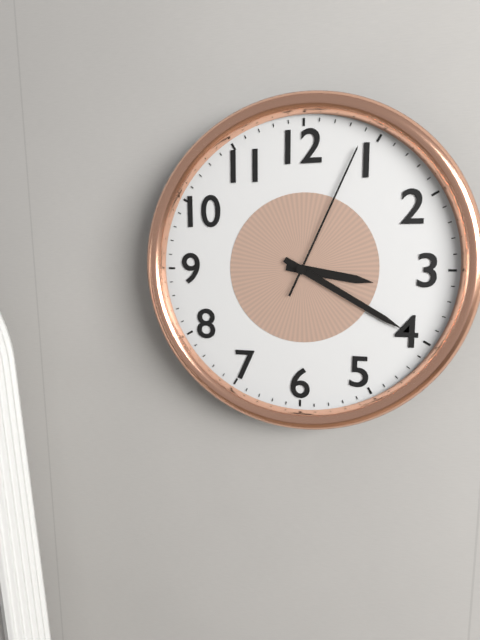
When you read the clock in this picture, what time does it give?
3:20:04
